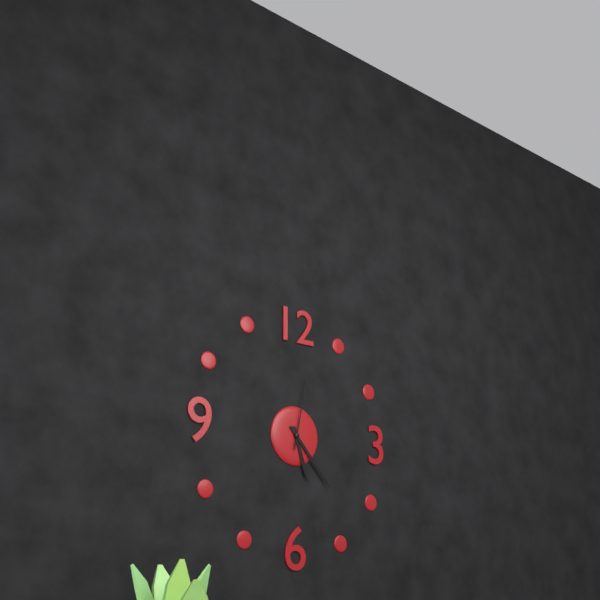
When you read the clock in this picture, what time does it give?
5:23:02
